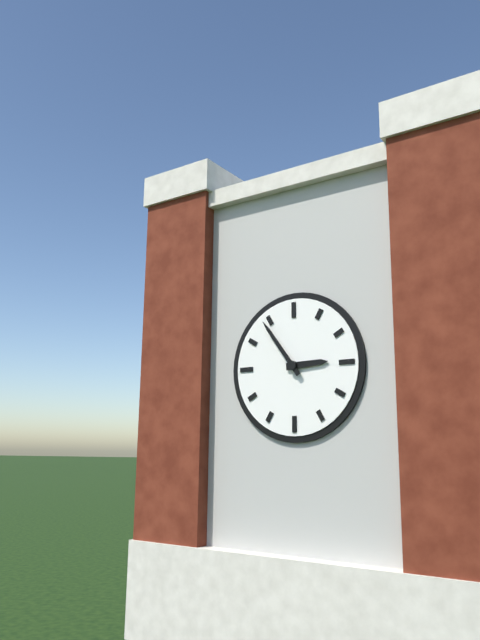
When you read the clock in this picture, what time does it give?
2:54
